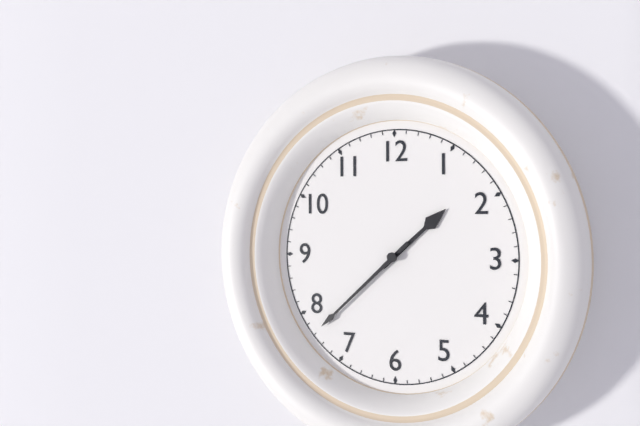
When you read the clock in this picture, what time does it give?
1:38
